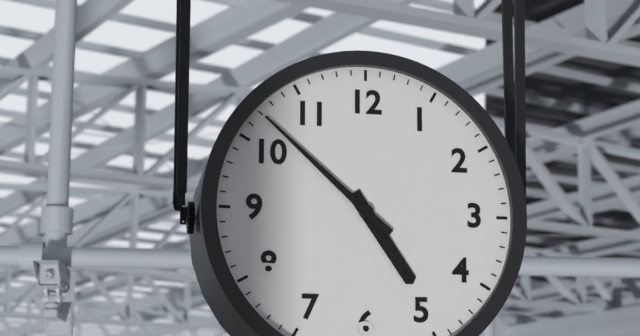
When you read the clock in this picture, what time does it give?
4:52
